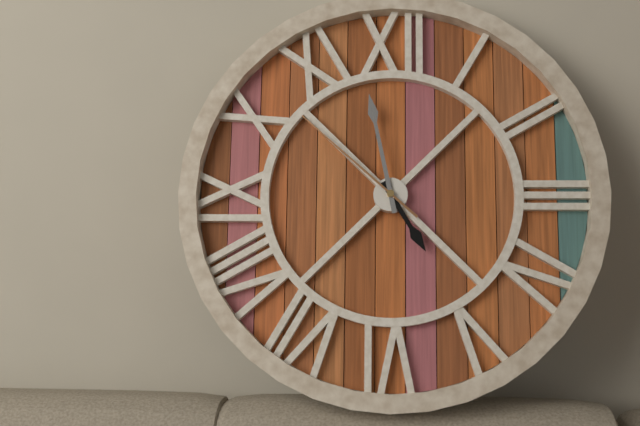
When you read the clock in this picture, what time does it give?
4:58:52
